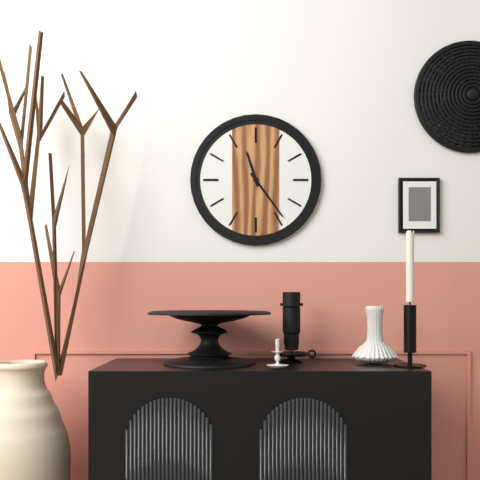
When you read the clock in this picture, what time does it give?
11:24
